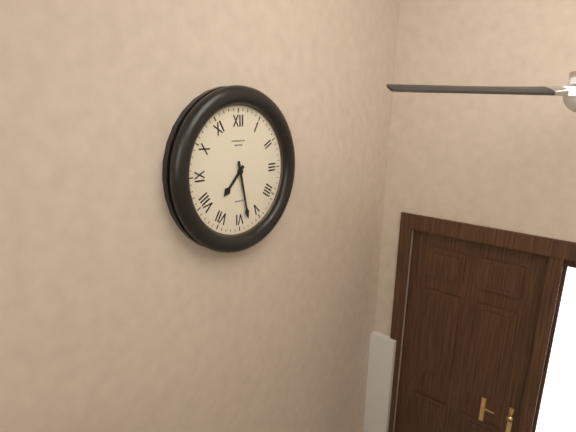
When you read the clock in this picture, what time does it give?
7:28
